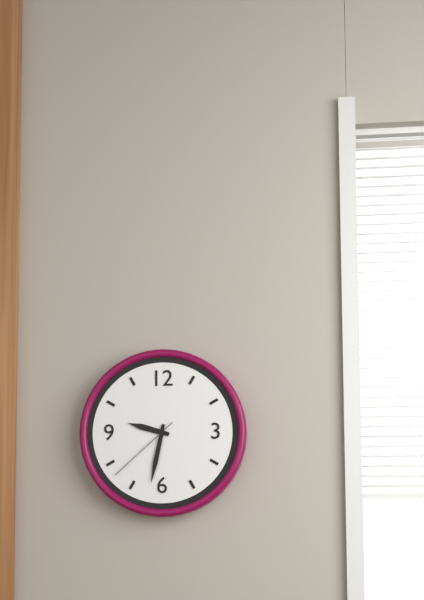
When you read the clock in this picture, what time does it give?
9:32:38
